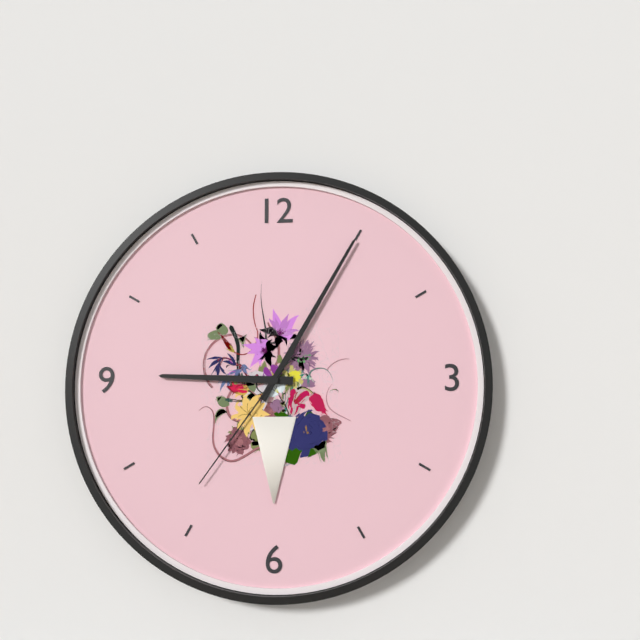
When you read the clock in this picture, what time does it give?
9:05:36
